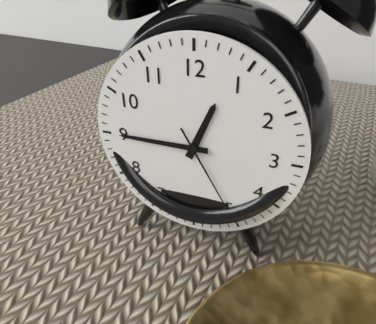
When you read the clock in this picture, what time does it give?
12:45:25
